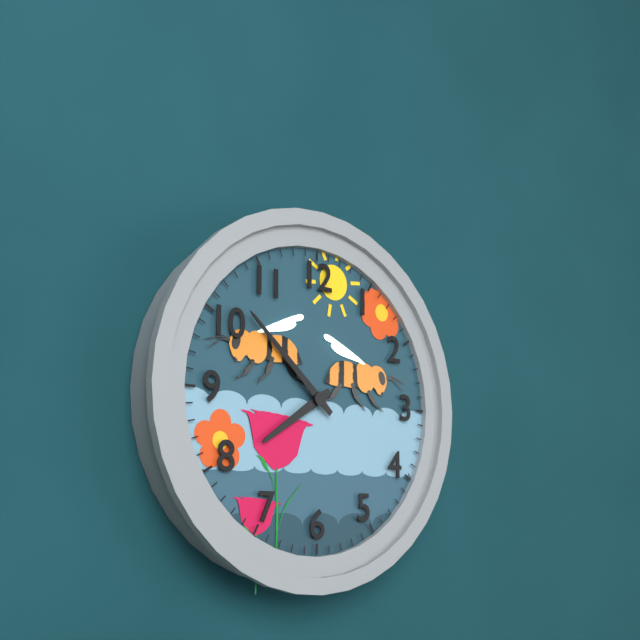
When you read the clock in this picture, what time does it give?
7:52
